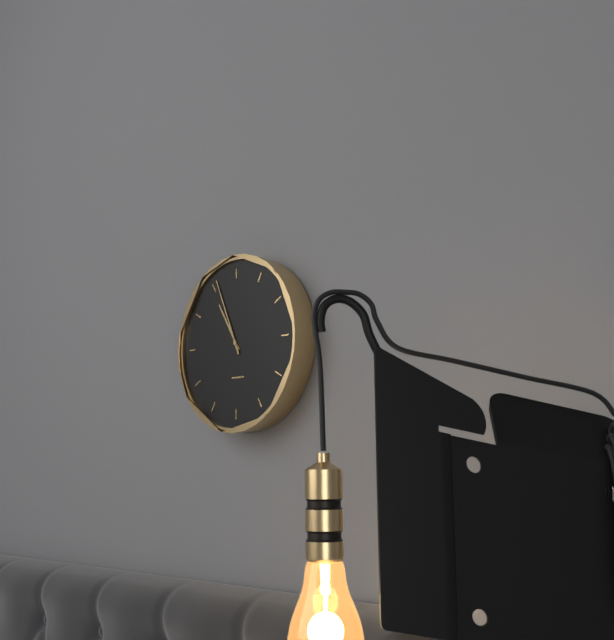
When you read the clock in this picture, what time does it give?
10:56
